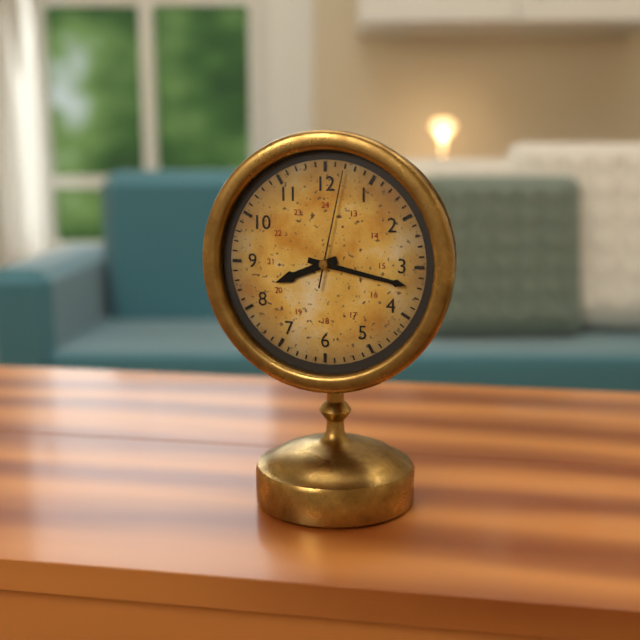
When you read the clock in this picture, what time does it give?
8:17:02
